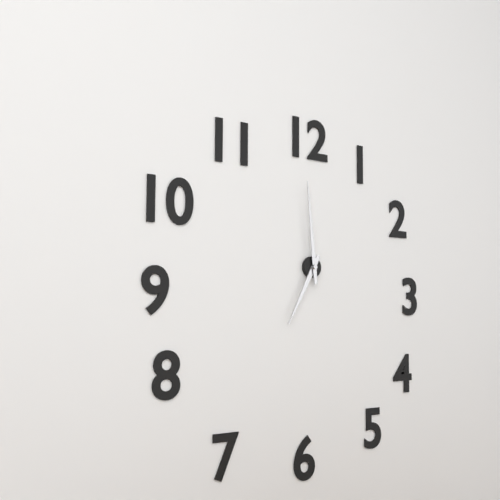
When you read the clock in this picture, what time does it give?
6:59
